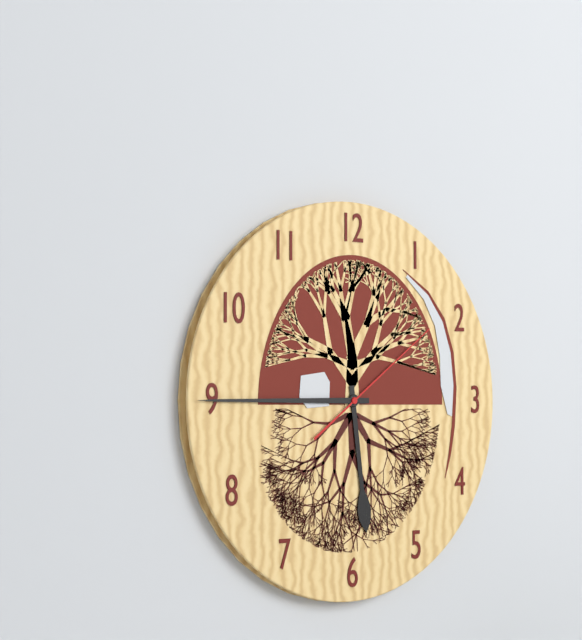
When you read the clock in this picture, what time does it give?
5:45:09
